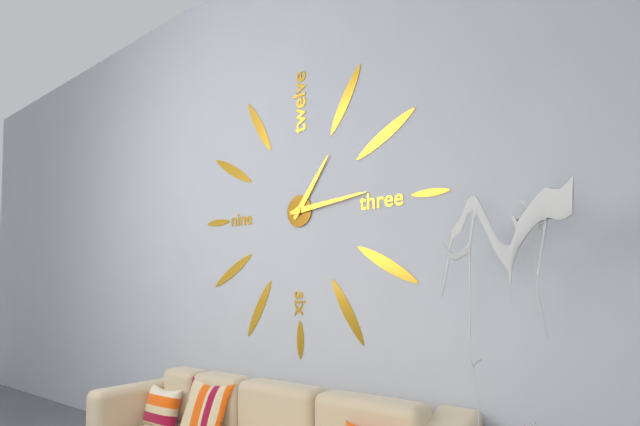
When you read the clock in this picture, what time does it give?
1:14
